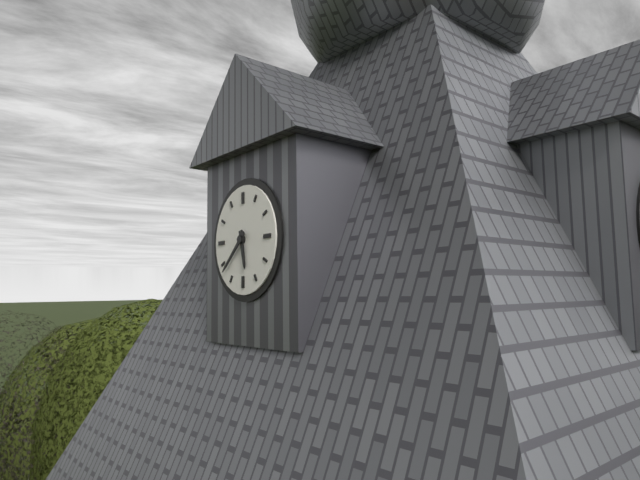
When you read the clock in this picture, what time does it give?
5:38
